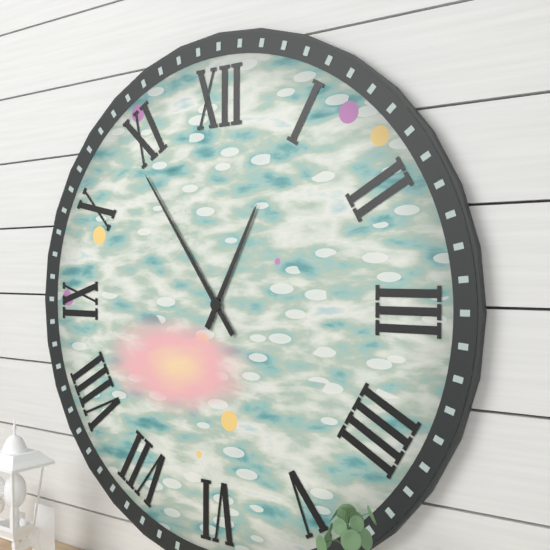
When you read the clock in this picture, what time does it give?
12:54
